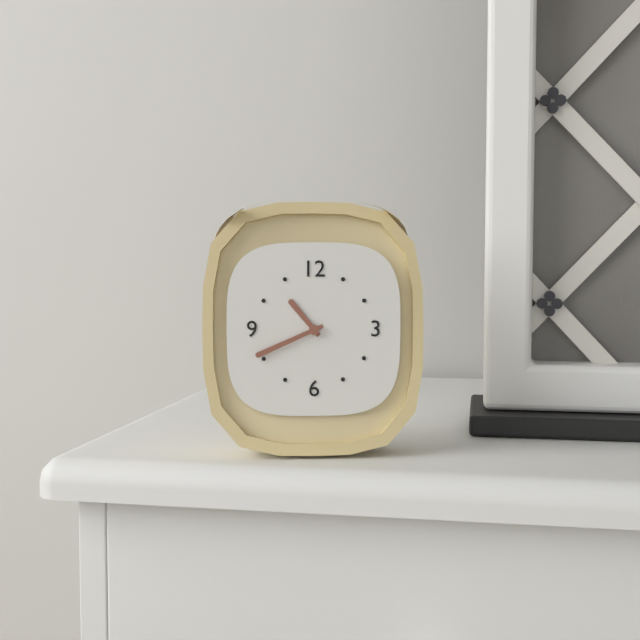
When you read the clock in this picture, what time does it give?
10:41
